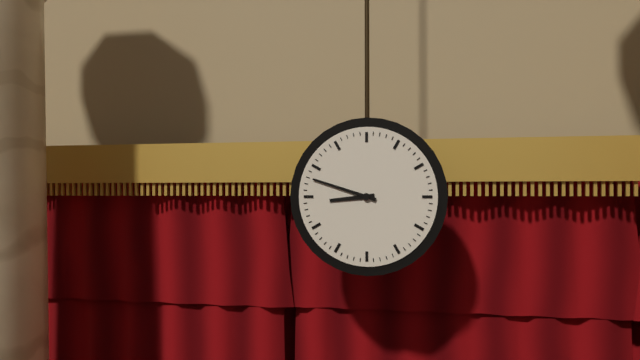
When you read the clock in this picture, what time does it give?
8:48
